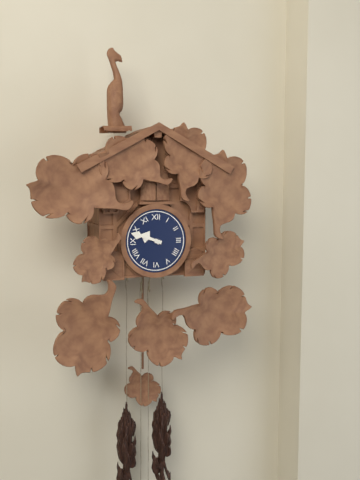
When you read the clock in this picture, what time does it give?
9:48
